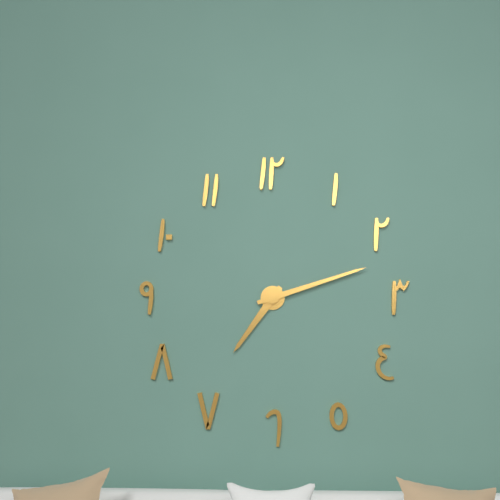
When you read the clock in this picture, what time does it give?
7:12
